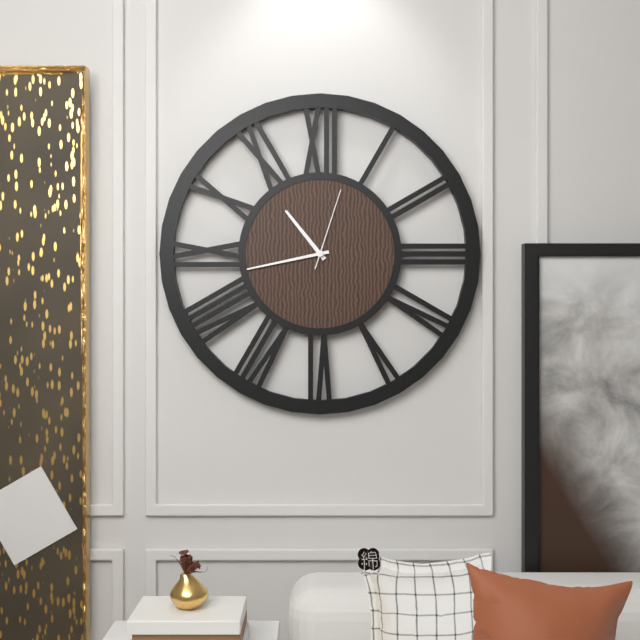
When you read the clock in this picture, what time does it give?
10:43:03
